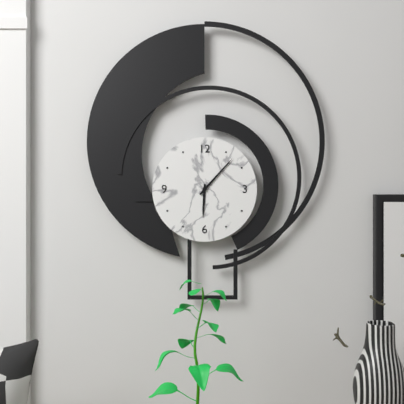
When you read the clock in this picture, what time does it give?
6:07
